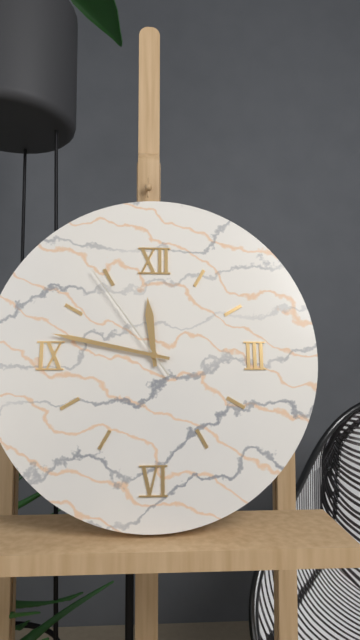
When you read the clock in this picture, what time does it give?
11:47:54
